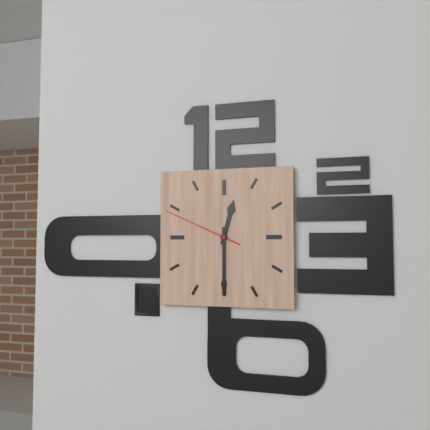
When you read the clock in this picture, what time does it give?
12:30:49
